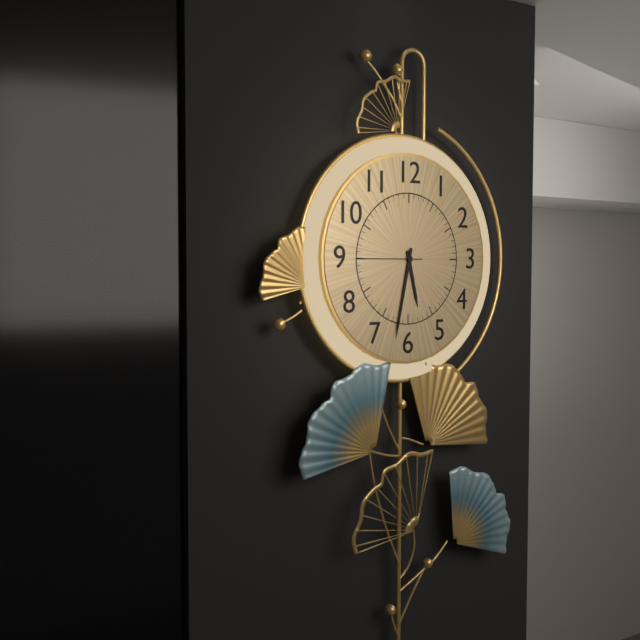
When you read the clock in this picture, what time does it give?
5:32:45
